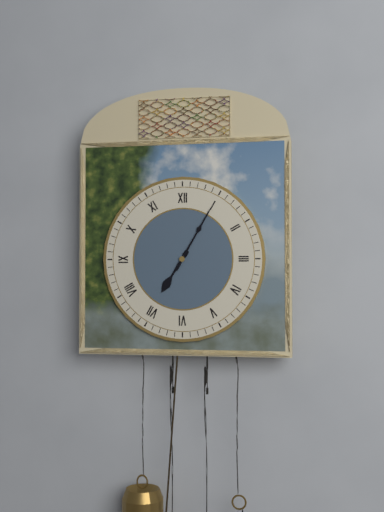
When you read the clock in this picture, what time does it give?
7:05
